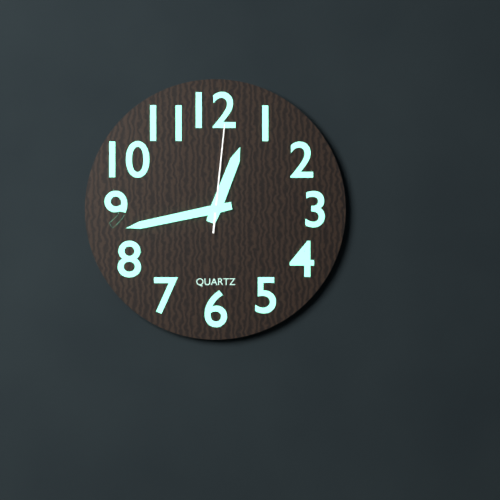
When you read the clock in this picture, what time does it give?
12:43:01
